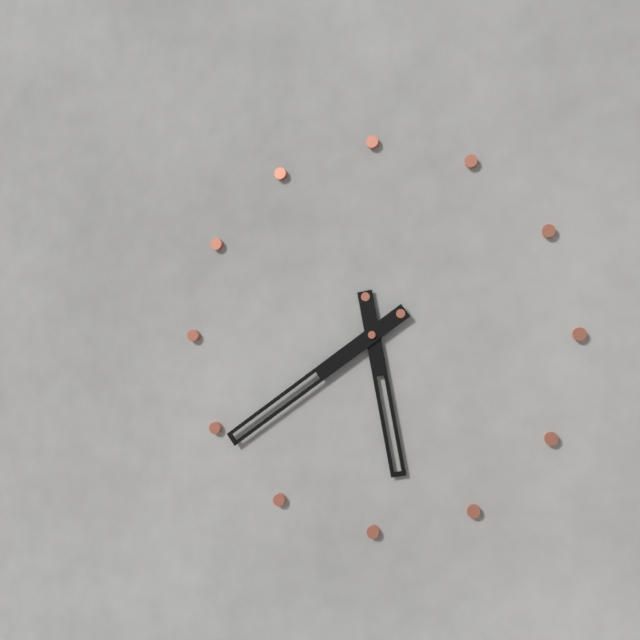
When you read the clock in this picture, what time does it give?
5:39
